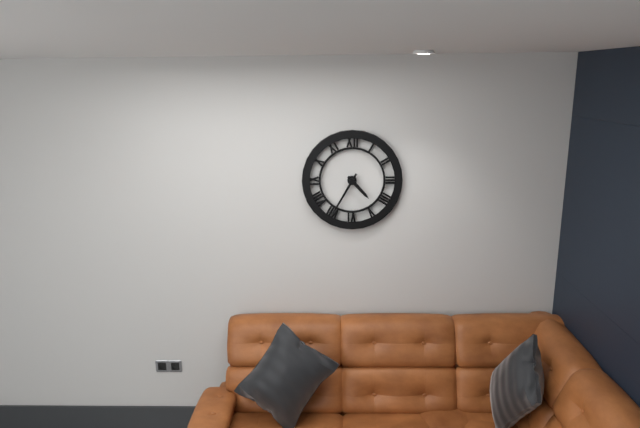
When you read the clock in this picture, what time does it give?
4:35
